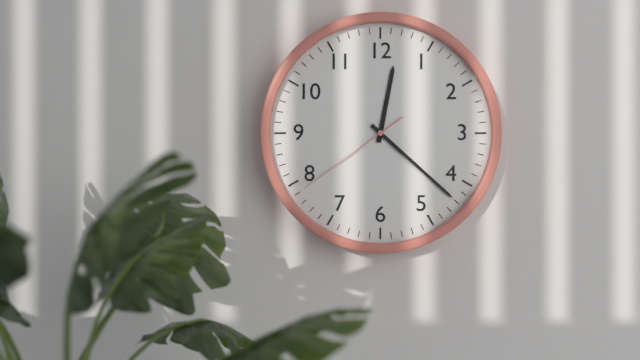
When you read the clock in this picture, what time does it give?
12:22:39
